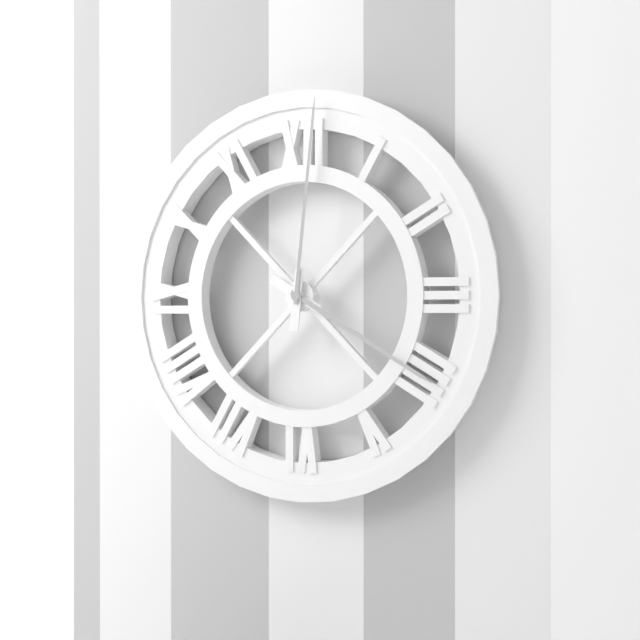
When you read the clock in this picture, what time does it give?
4:01
